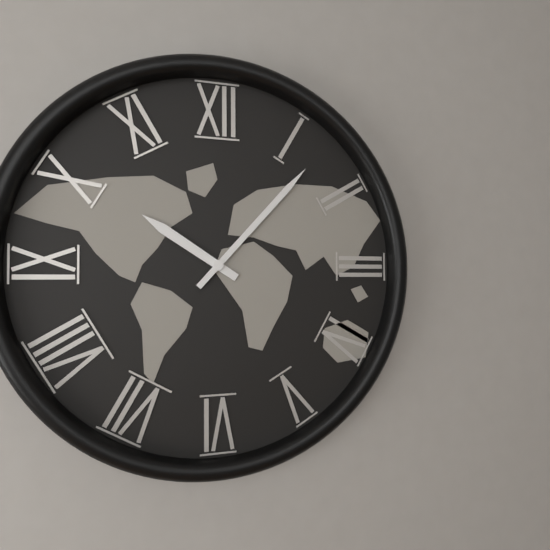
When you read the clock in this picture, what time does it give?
10:07
